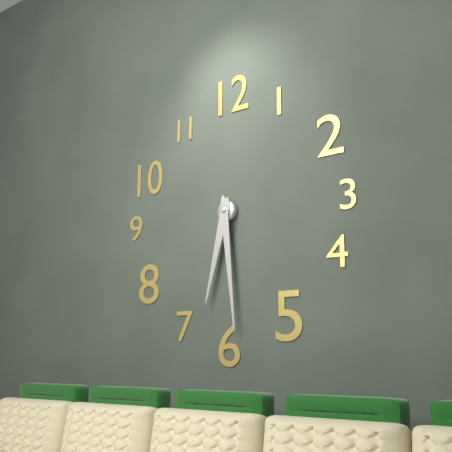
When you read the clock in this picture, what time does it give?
6:29
